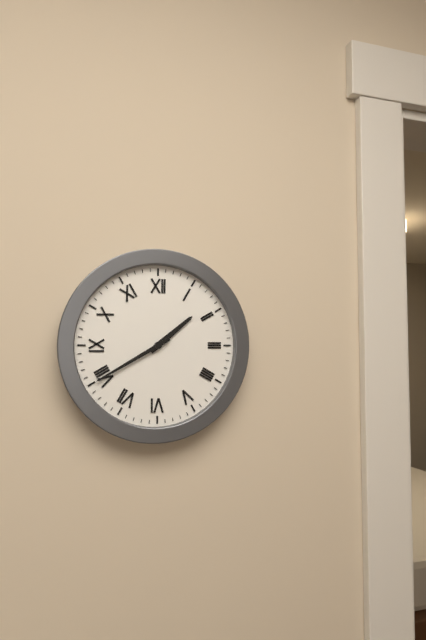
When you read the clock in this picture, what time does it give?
1:40
